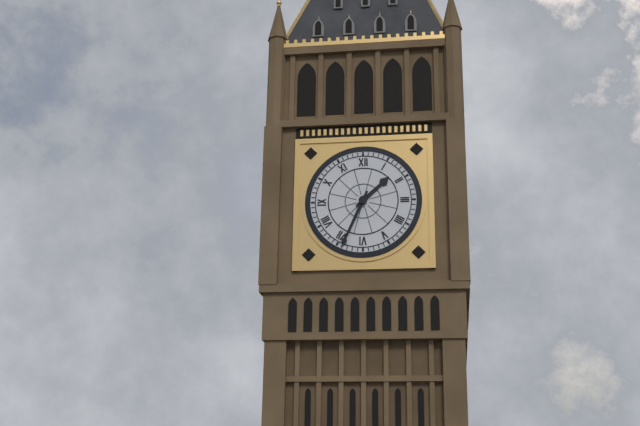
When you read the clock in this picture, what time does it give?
1:34
